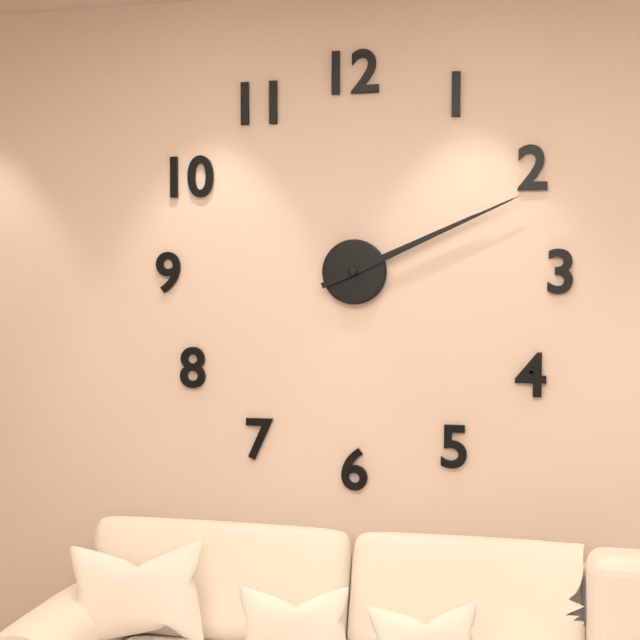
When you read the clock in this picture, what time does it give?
2:11
